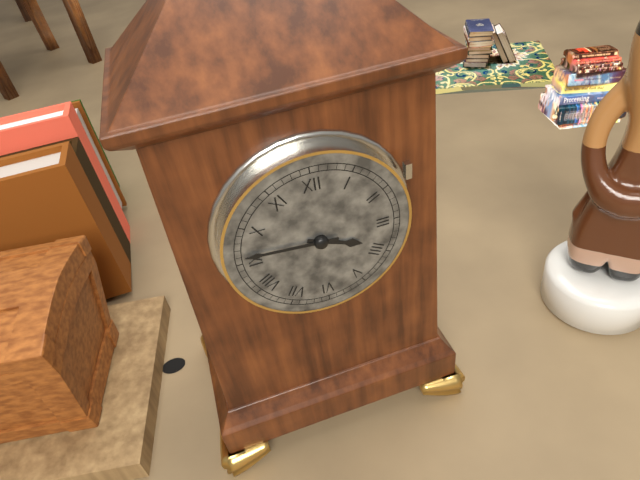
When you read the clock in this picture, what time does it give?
3:46
